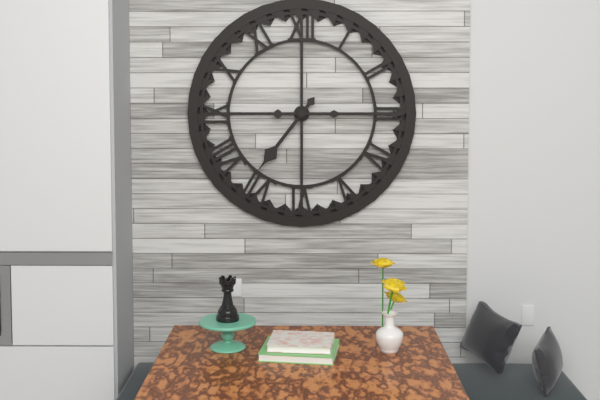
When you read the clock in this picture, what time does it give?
7:15
